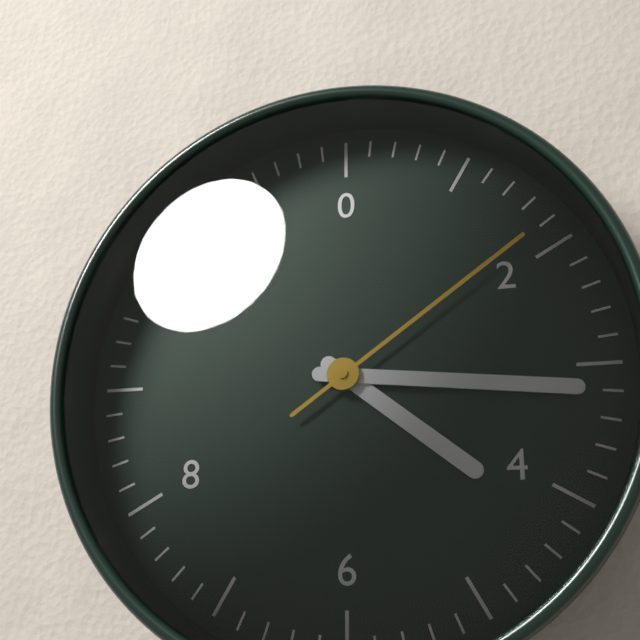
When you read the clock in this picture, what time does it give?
4:16:09
